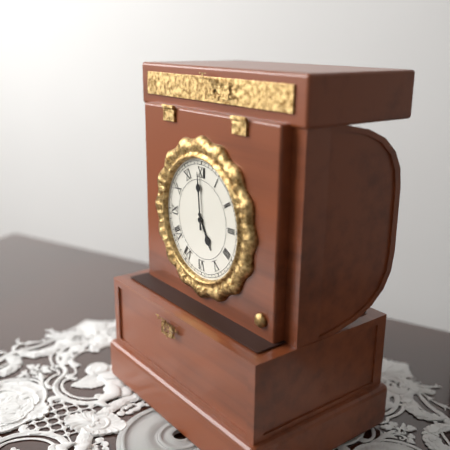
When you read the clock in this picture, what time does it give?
4:59
